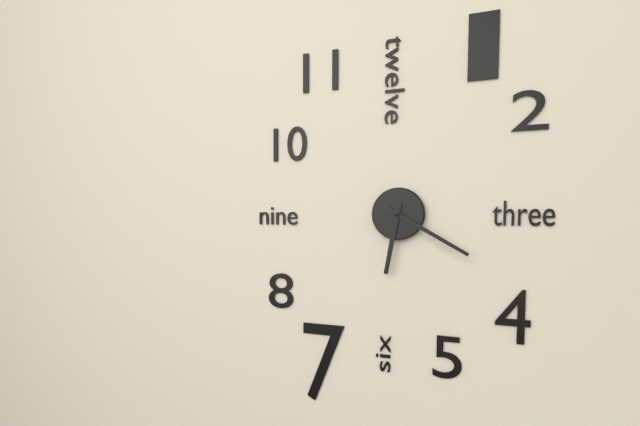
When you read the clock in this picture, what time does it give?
6:20
